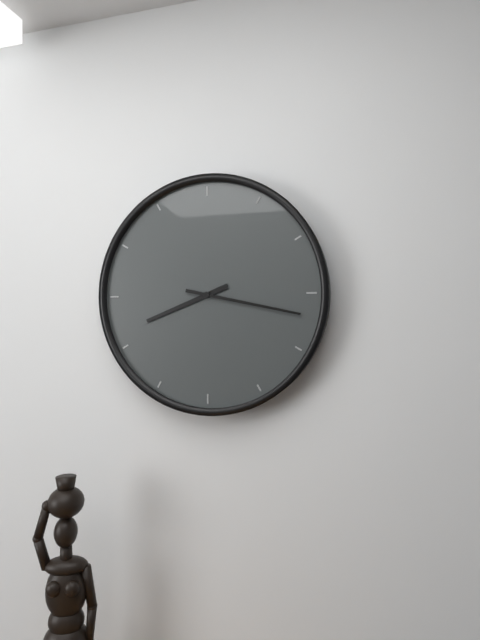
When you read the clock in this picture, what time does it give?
8:17
